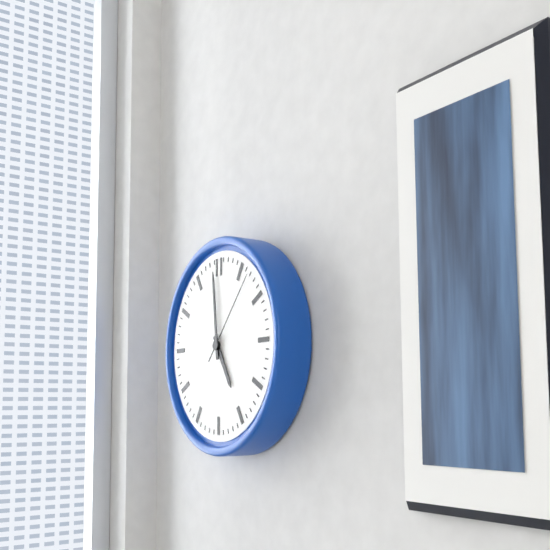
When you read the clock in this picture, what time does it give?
4:59:07
